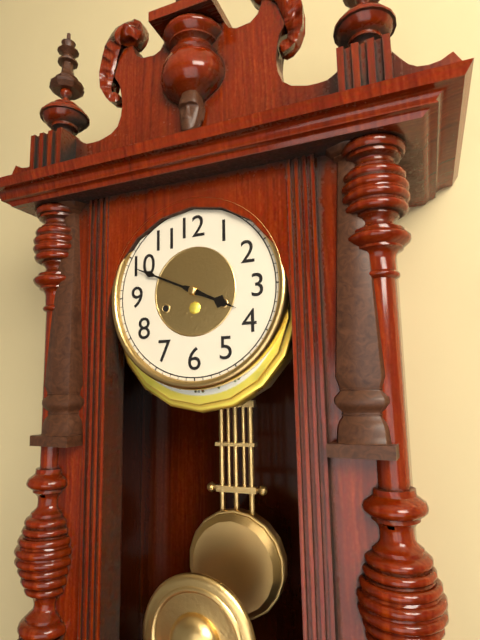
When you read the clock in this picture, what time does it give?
3:49
